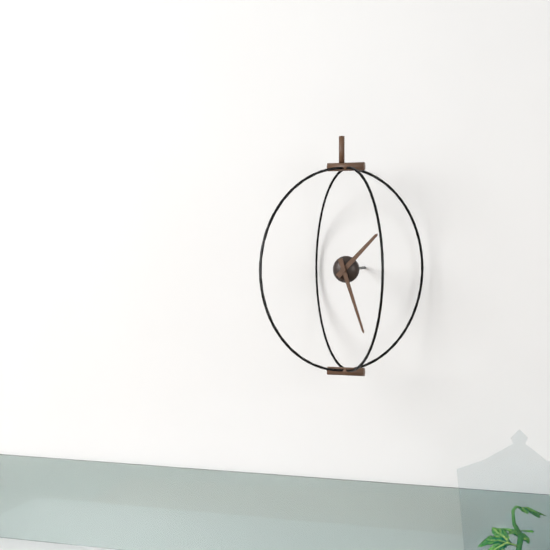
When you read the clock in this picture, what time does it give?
1:27
